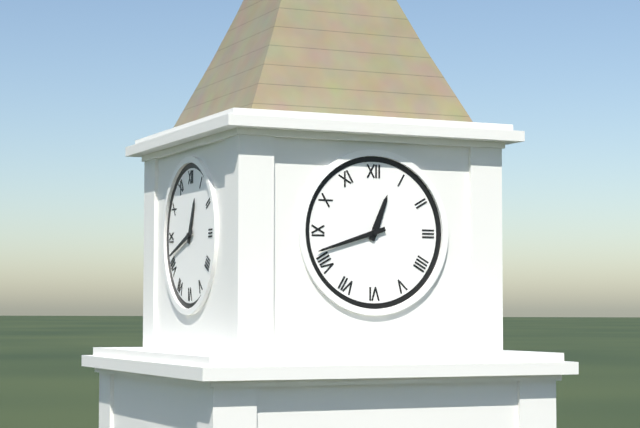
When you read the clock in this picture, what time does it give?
12:42
